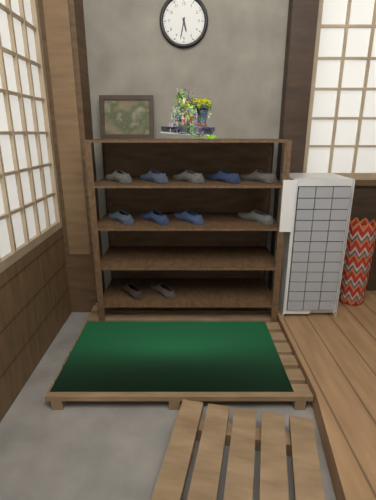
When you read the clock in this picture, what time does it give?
5:32
